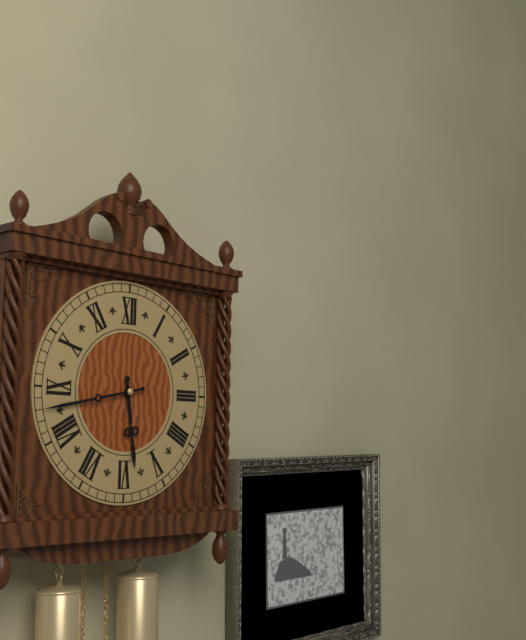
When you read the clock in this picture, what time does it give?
5:43
